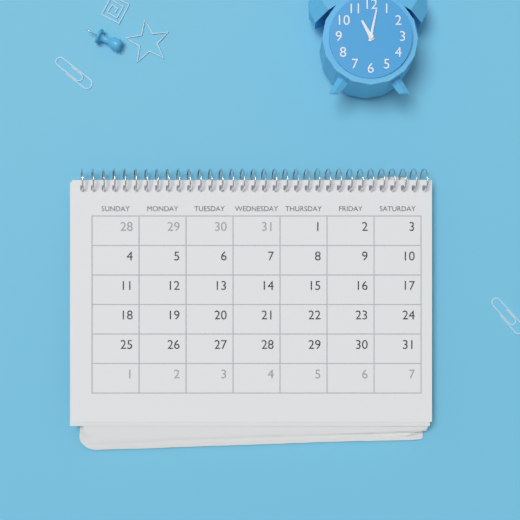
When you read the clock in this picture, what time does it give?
11:02
